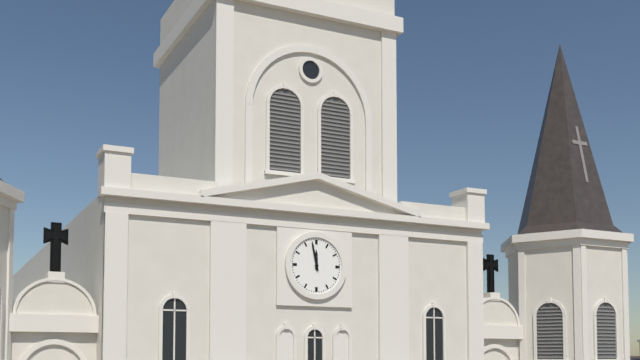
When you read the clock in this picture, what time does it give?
11:58
